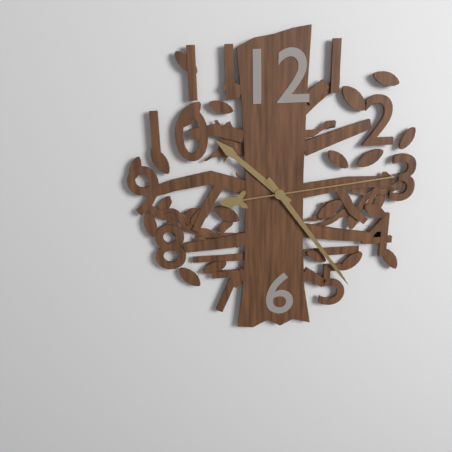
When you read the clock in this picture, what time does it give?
10:24:14
